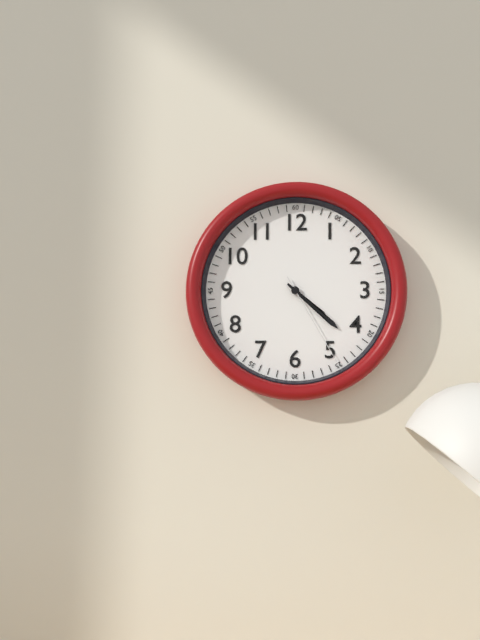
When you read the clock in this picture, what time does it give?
4:22:25
